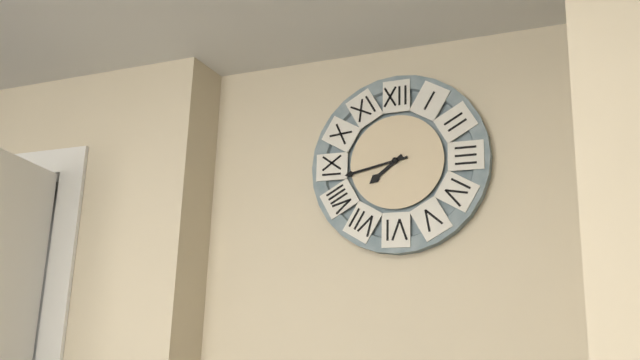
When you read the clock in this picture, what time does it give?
7:43
